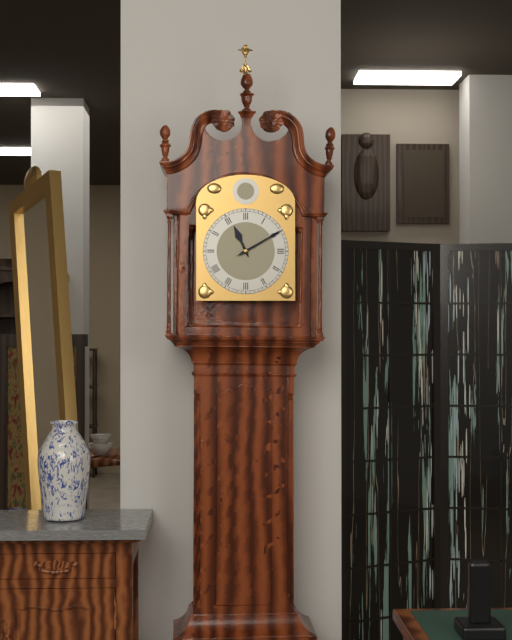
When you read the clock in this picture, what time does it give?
11:10
